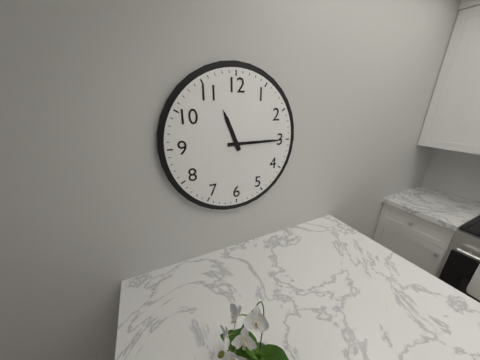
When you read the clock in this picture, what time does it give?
11:15
